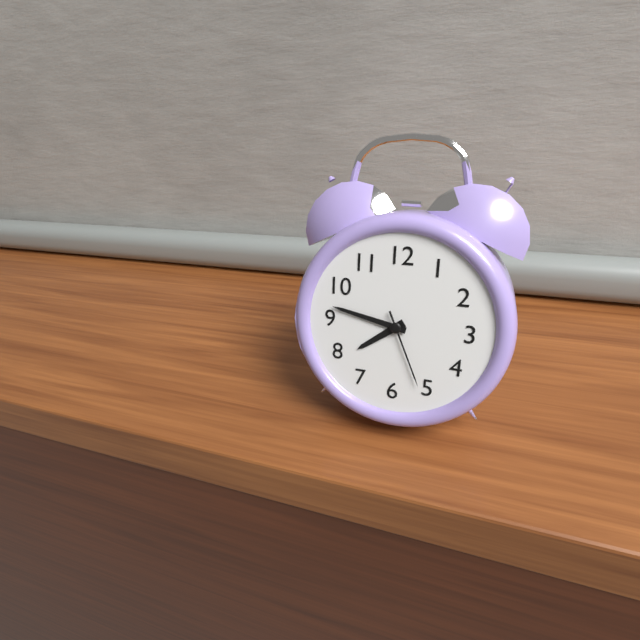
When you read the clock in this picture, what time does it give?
7:47:26
